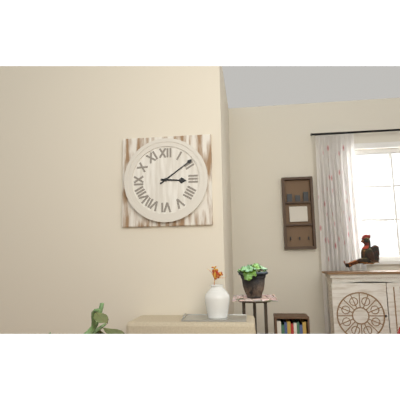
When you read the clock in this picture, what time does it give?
3:09
